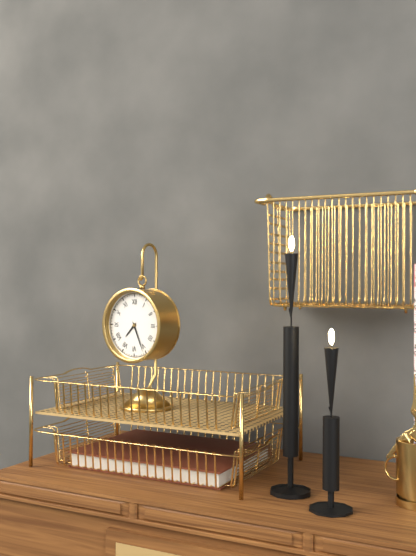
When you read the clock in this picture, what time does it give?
7:26
